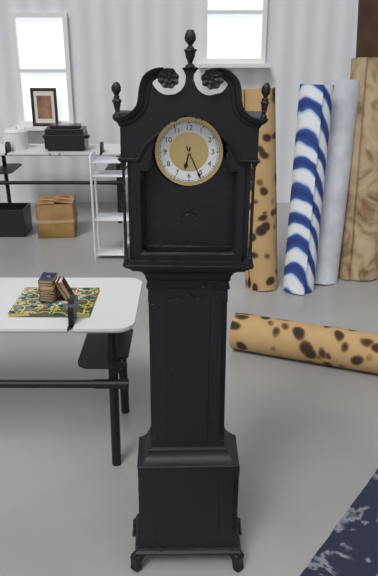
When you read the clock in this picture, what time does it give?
6:26
